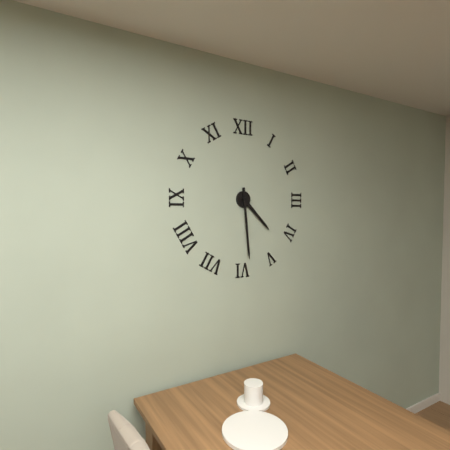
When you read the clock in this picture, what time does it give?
4:29
